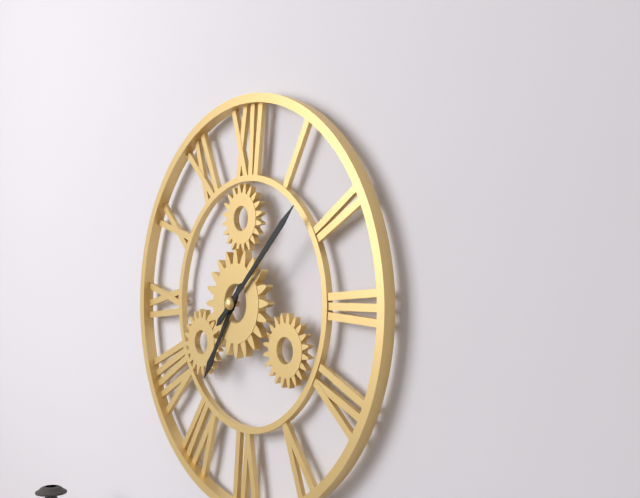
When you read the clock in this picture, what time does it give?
7:08
